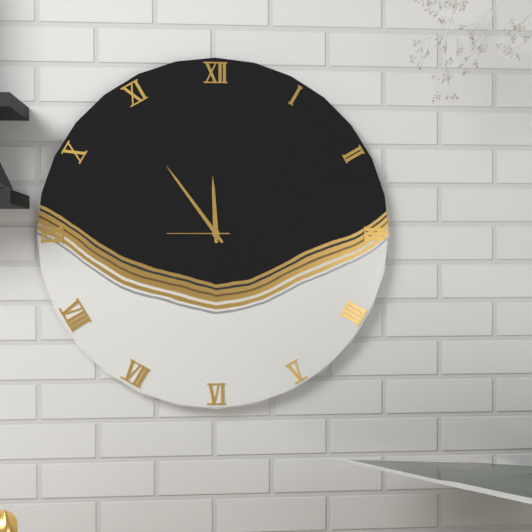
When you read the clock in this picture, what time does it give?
11:54:45
